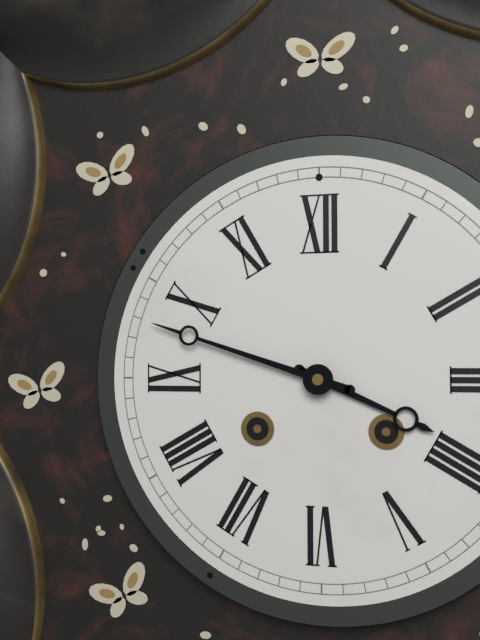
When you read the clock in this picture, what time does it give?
3:48
